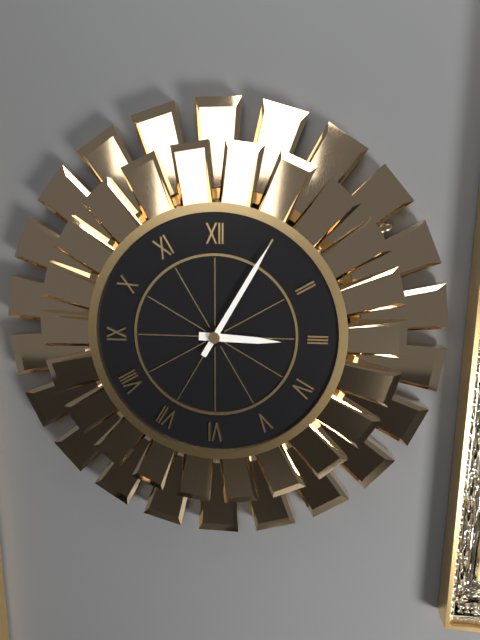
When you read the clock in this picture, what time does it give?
3:05
